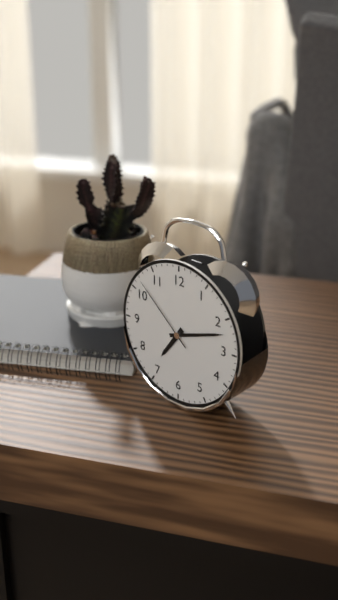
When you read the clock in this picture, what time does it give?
7:12:52
